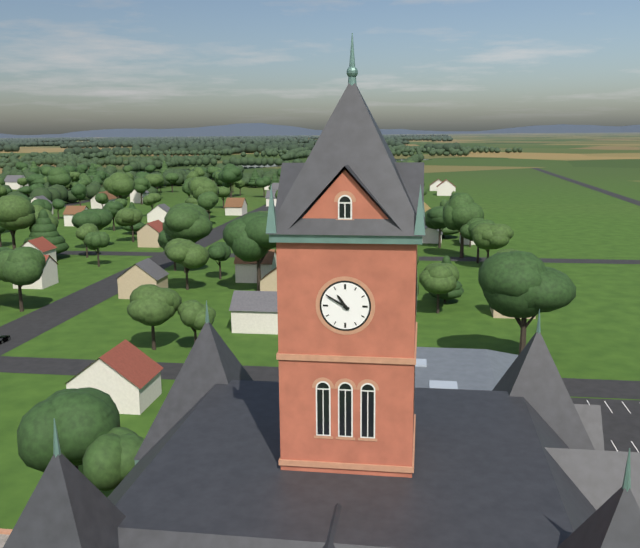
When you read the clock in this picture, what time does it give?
10:50
